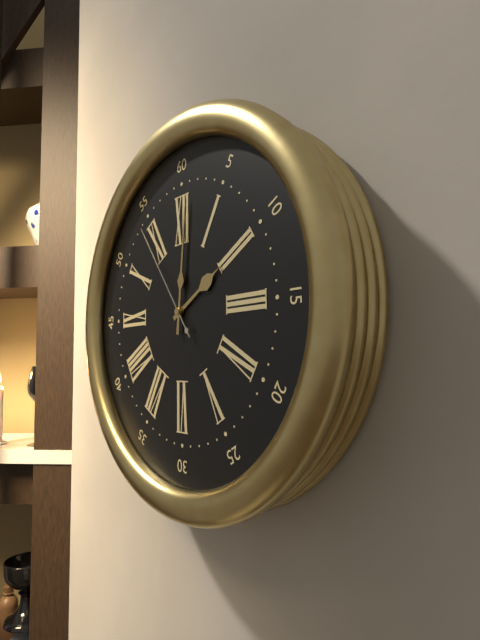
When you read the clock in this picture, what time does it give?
2:01:54
